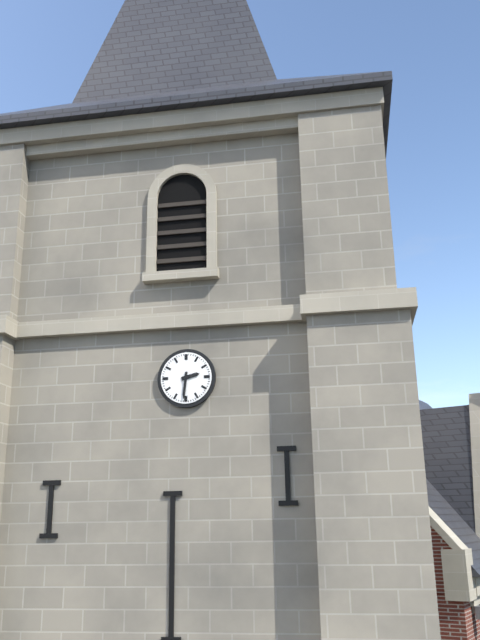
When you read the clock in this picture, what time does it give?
2:31
